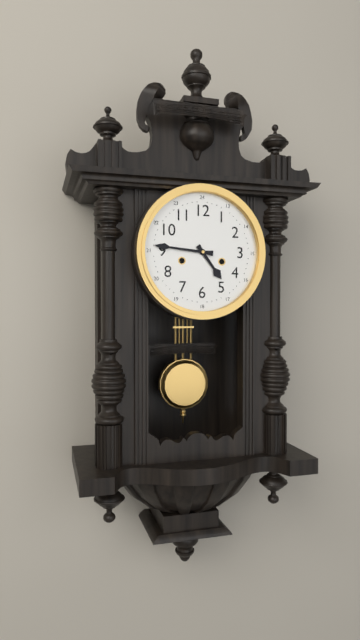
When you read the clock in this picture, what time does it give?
4:46
